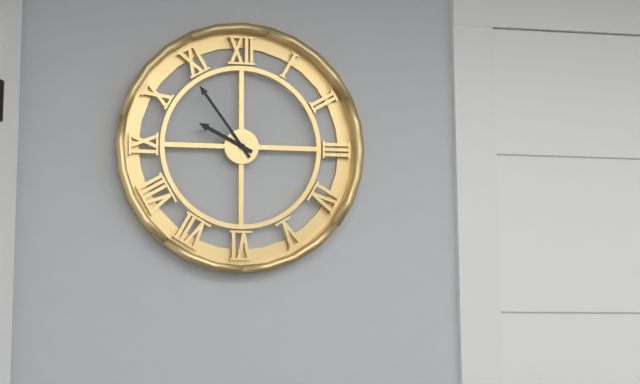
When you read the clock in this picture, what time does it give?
9:54
